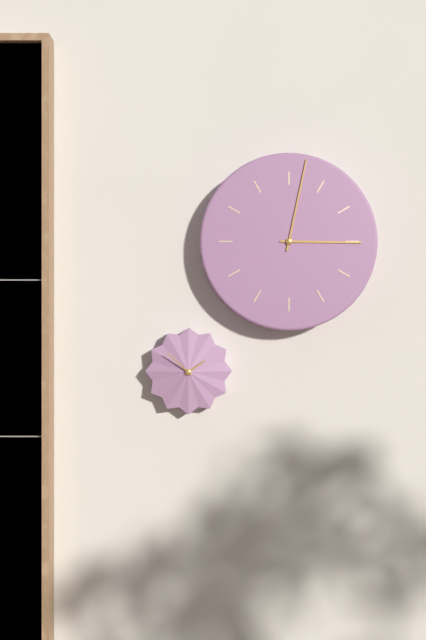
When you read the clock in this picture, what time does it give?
3:02
